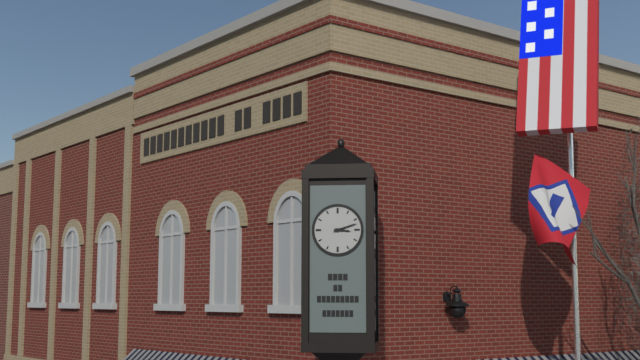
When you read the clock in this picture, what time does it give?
3:12
